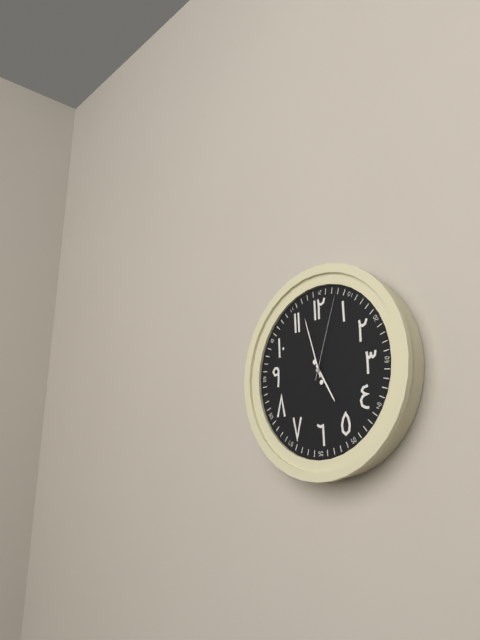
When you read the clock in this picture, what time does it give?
4:57:03
